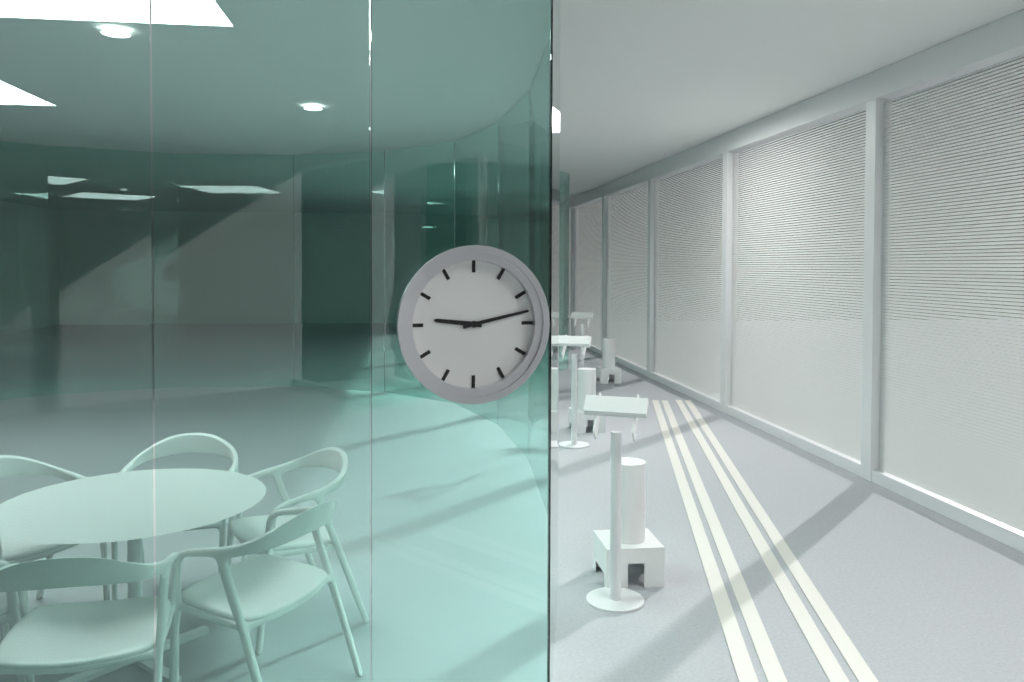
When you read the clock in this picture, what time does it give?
9:13
